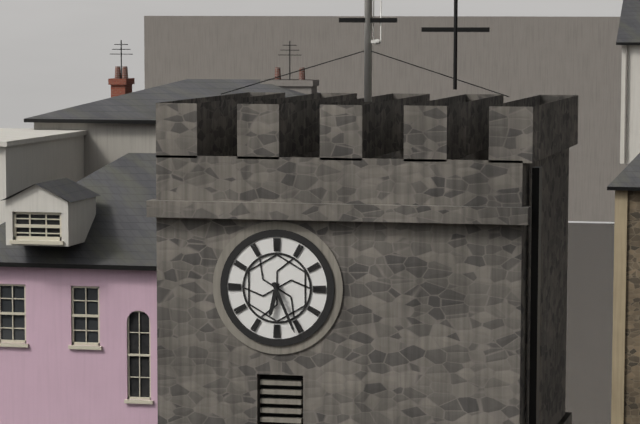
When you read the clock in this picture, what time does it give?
6:26
